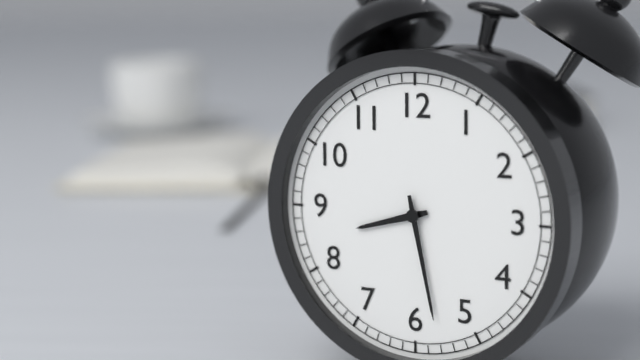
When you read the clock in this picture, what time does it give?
8:28
